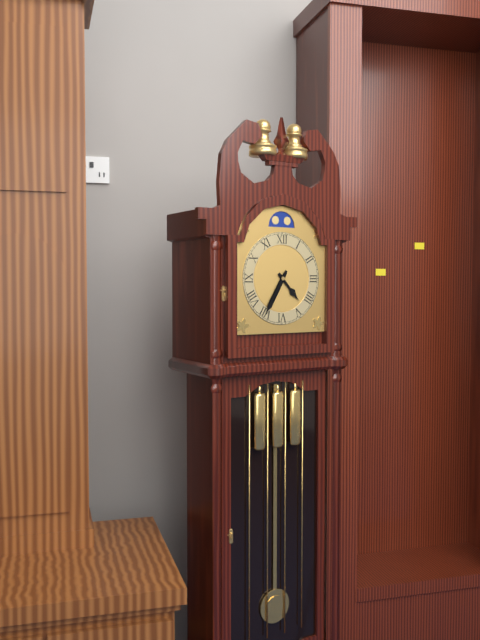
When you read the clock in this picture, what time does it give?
4:35
